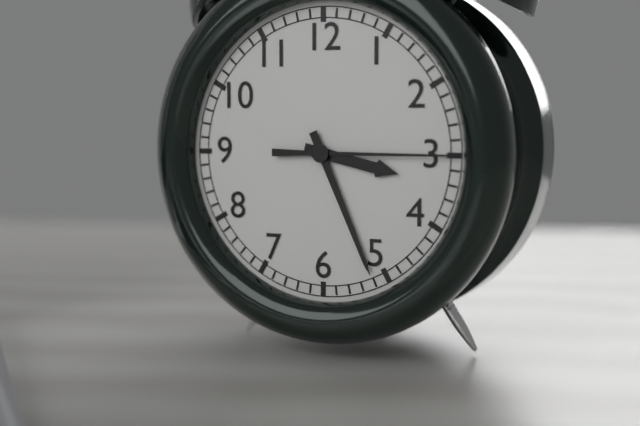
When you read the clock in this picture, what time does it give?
3:26:15
